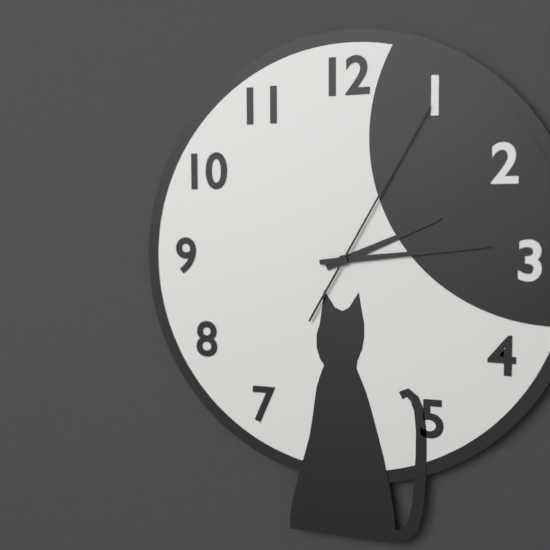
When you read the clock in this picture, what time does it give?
2:14:05
